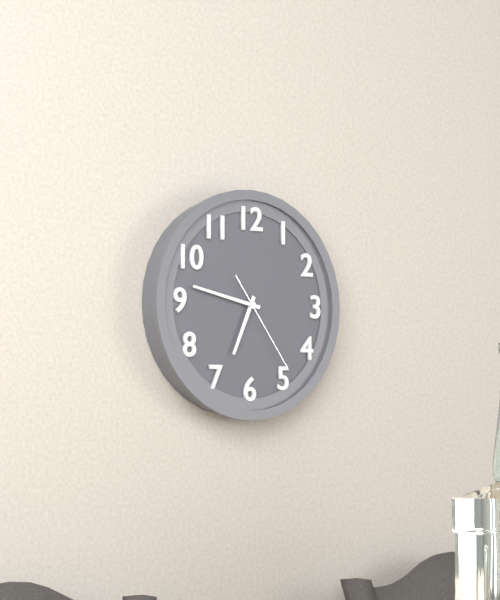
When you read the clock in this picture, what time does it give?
6:47:24
